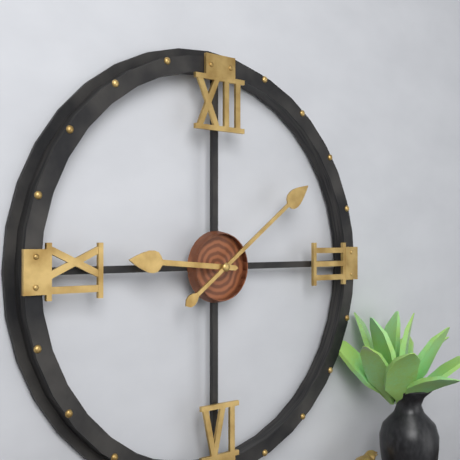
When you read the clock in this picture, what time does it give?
9:09
